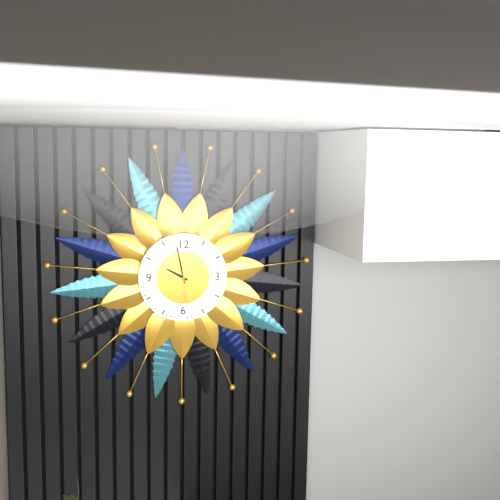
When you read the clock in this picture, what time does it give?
9:58
